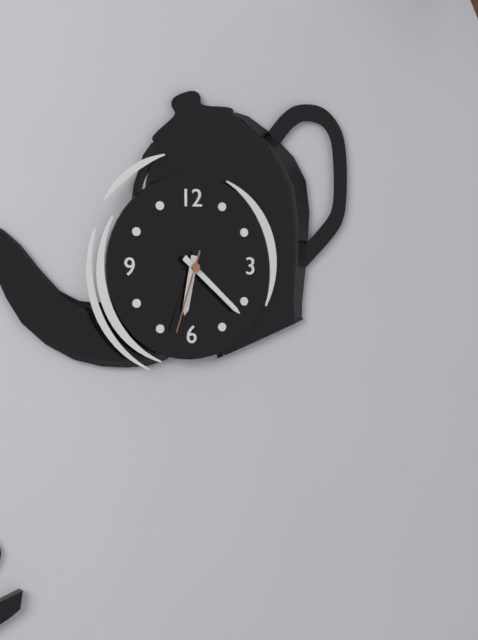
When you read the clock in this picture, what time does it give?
6:22:33
